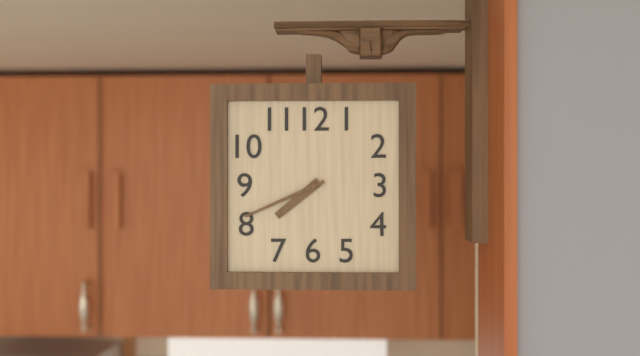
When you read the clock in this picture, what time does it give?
7:41
